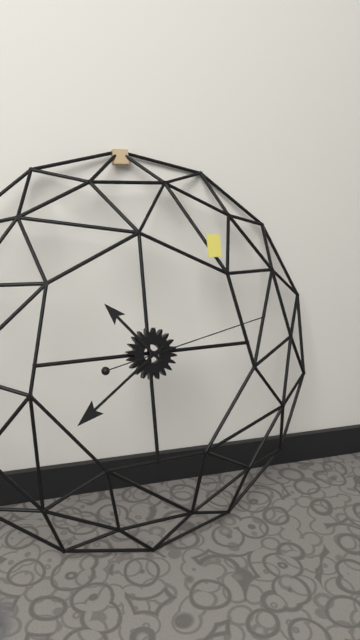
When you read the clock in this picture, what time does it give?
10:39:13
